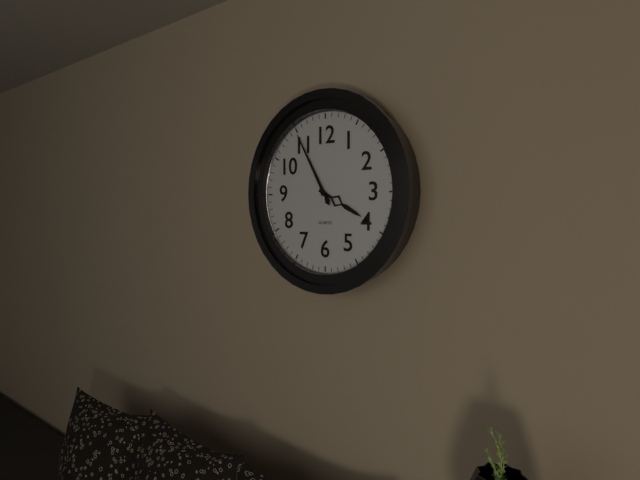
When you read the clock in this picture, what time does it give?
3:55
